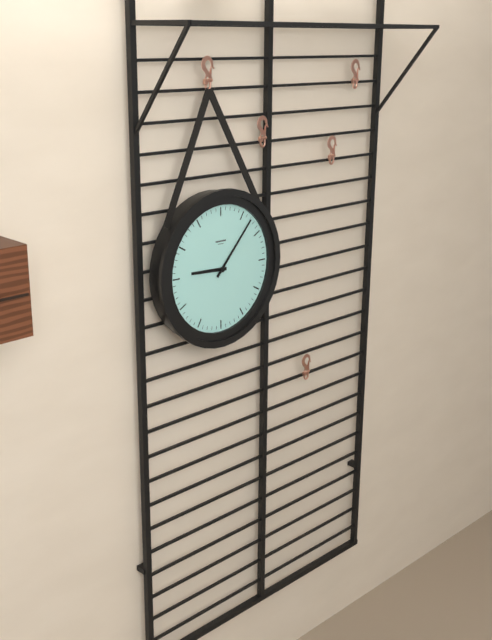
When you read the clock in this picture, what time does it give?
9:07
